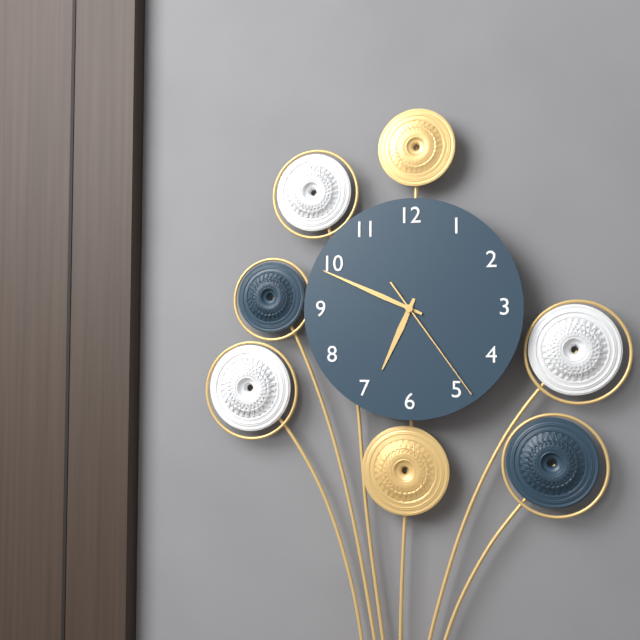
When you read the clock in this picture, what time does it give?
6:49:24
